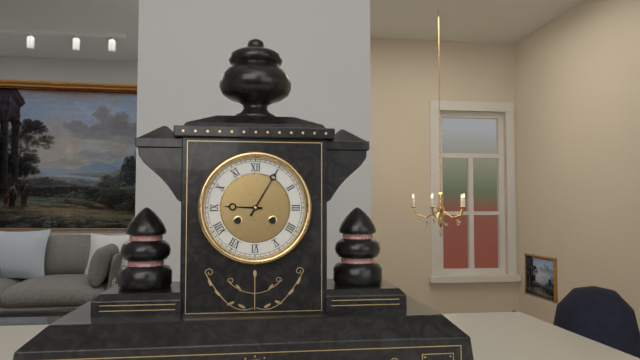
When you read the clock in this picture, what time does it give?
9:05
